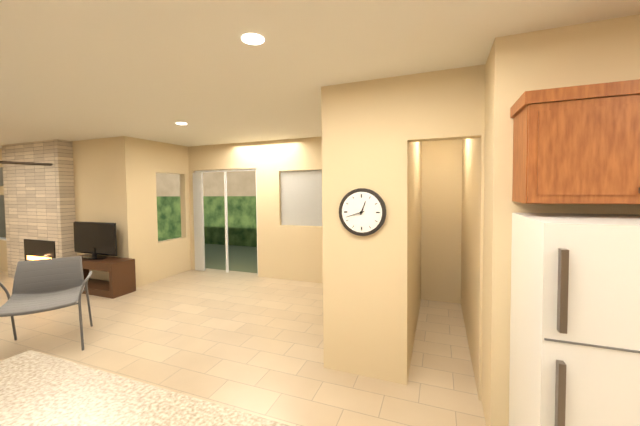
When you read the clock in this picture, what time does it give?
12:42
